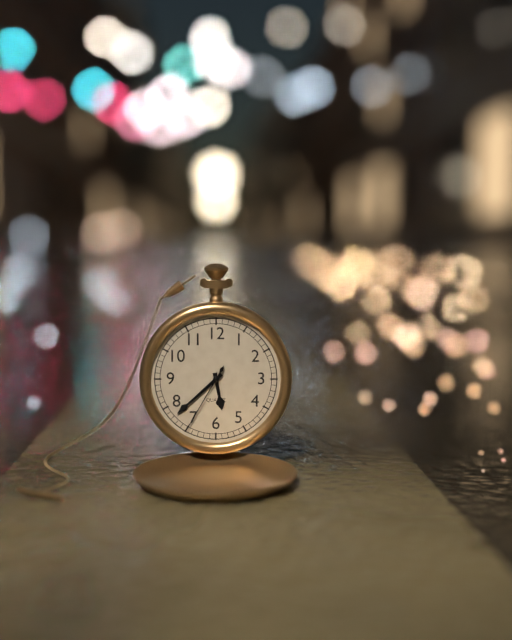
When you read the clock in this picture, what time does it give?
5:38:35
